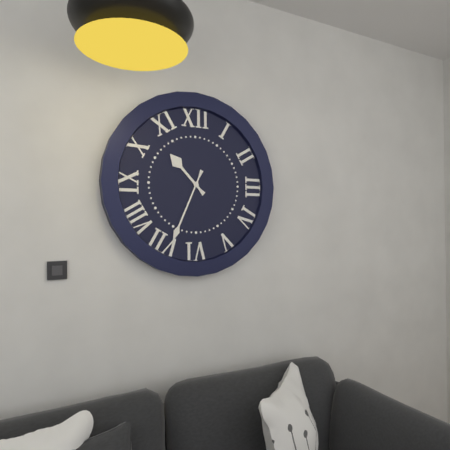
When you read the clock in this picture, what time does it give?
10:34
